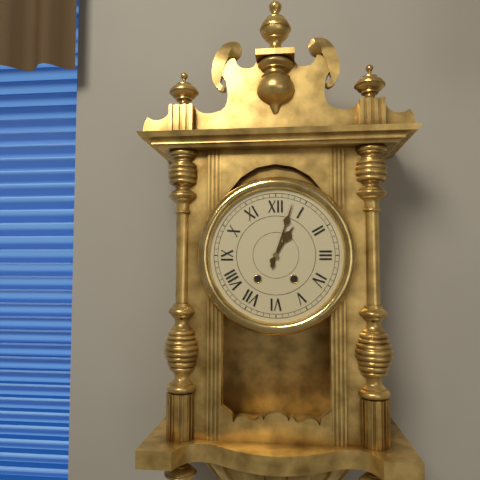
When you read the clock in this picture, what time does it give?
1:03
